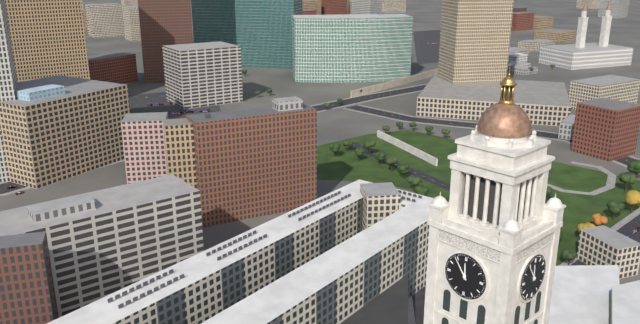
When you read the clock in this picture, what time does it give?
11:54
